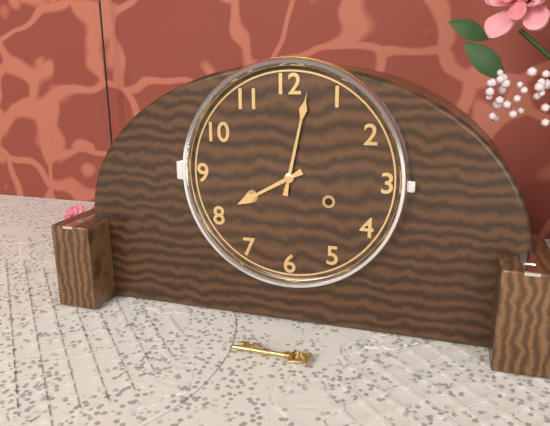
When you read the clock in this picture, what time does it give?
8:02
